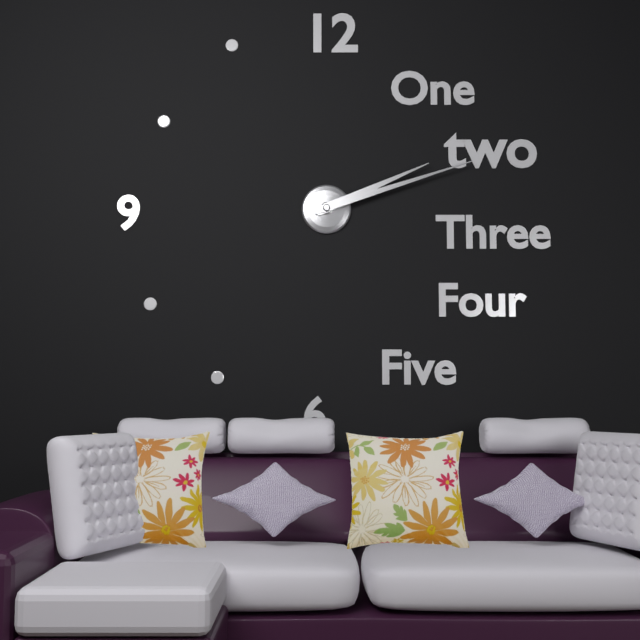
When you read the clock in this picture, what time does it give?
2:12
